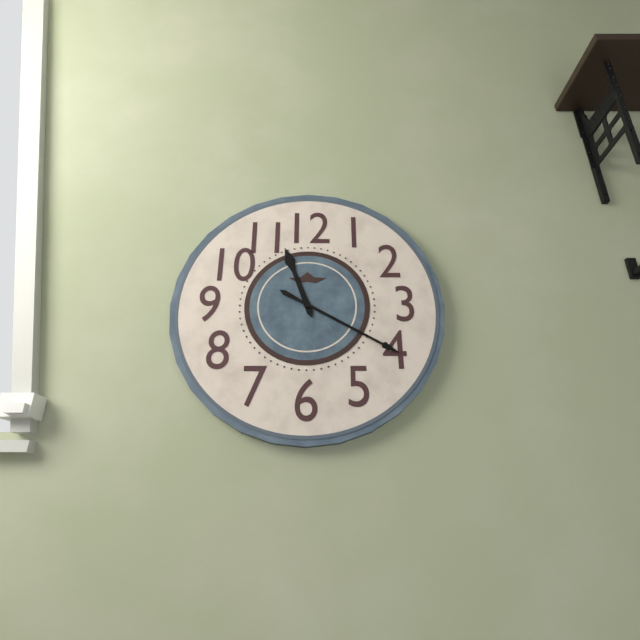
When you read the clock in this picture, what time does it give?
11:20
